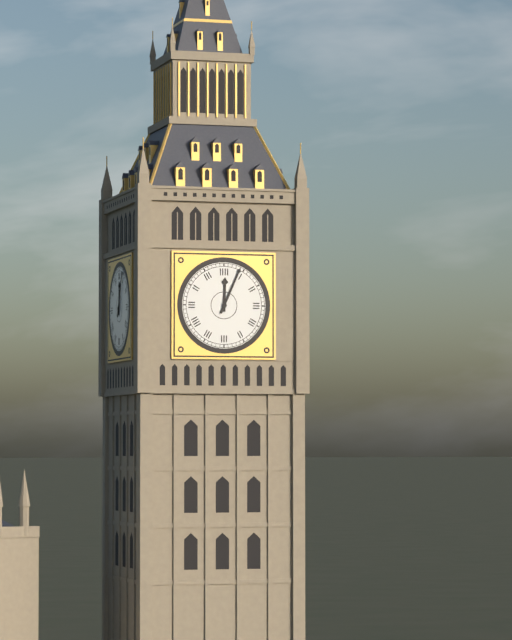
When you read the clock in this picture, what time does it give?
12:04
